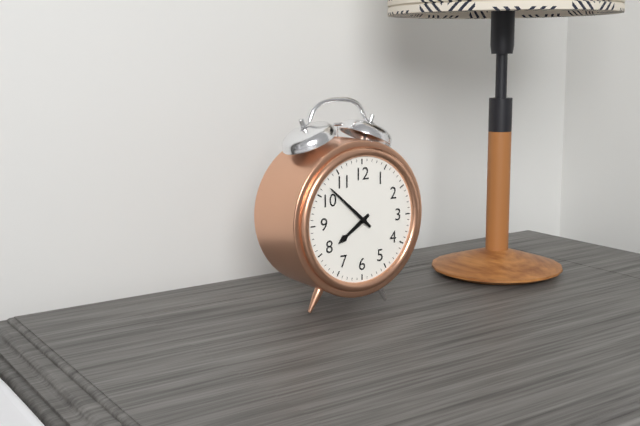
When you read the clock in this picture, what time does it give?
7:52
